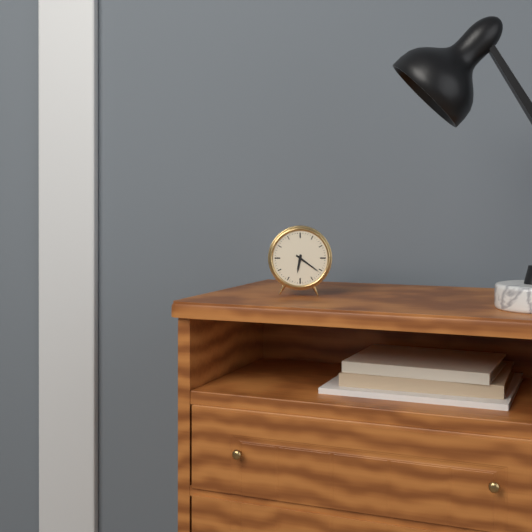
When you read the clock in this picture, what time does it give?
6:21
